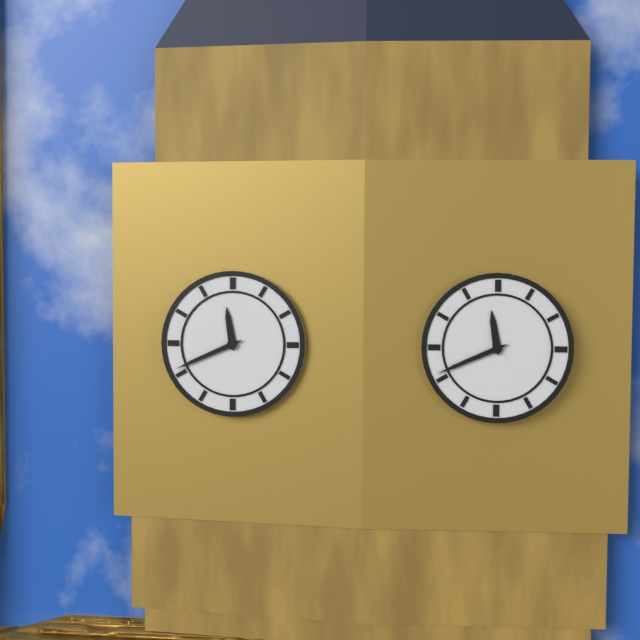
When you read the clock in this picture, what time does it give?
11:41
